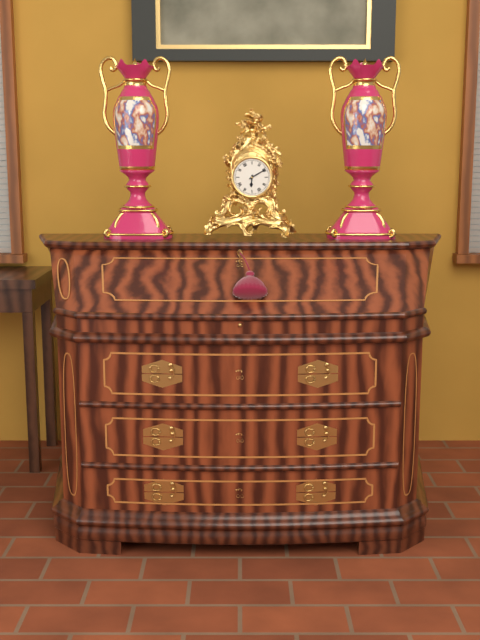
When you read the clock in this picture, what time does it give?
6:10
